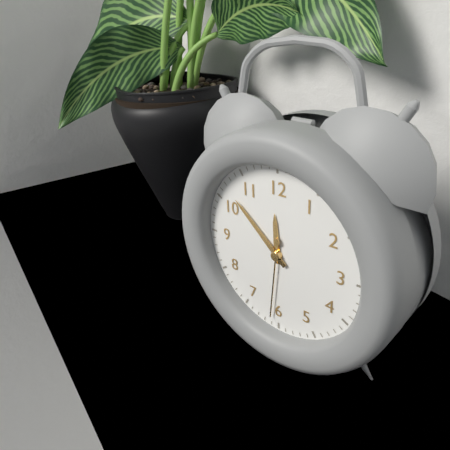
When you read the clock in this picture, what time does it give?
11:52:31
